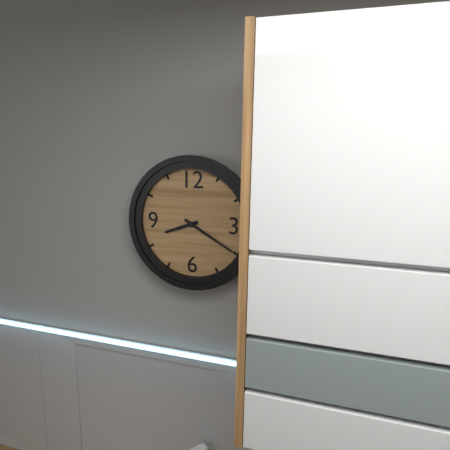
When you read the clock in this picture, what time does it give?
8:20
